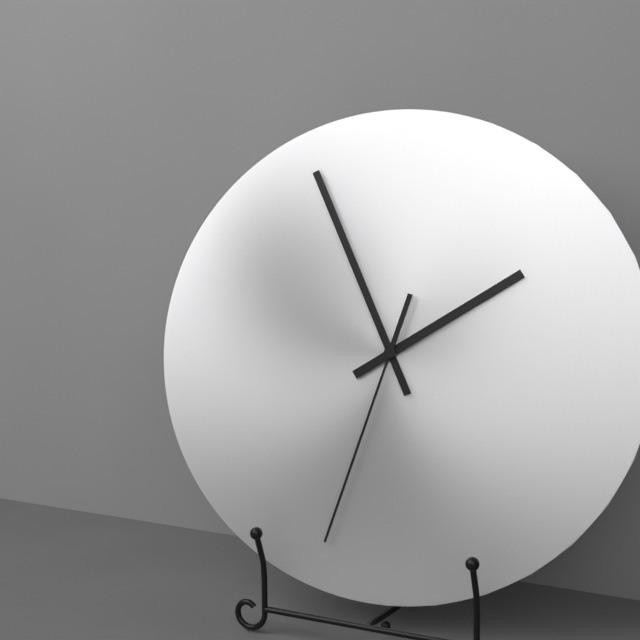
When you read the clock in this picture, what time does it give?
1:56:33
